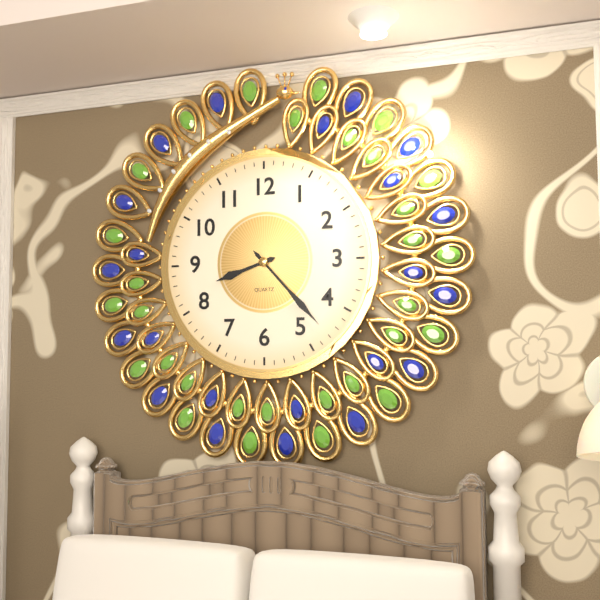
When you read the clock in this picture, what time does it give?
8:23
